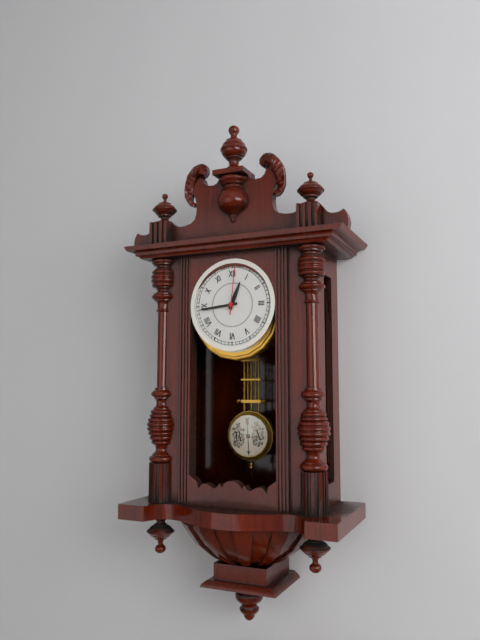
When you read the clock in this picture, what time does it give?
12:44
